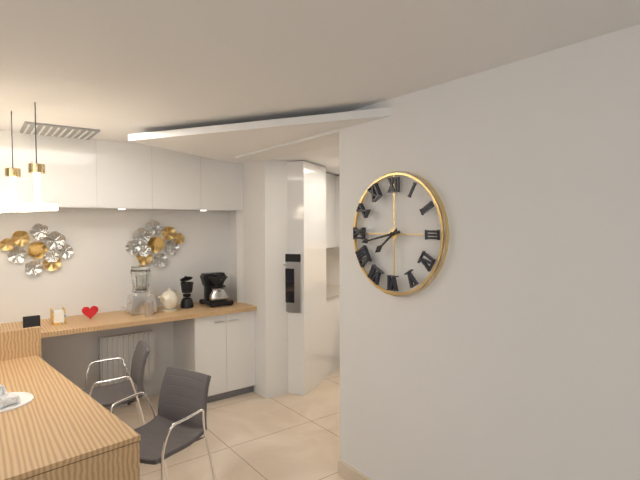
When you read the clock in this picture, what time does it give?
7:43
